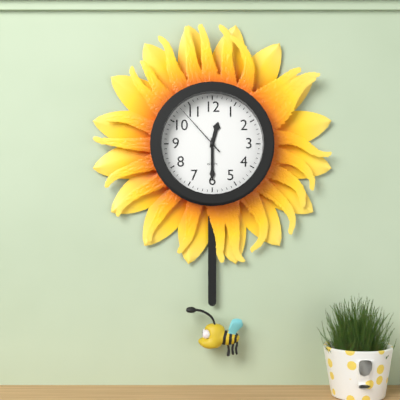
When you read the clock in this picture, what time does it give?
12:30:53
